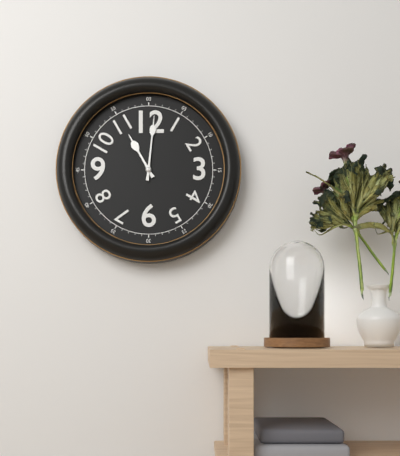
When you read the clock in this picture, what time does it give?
11:01
